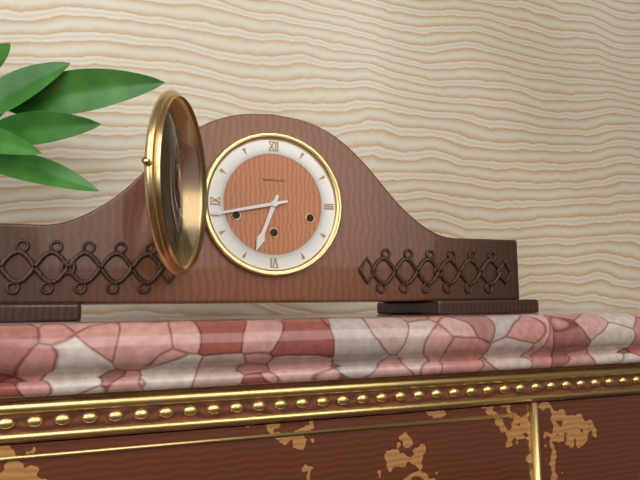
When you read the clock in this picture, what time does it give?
6:43
